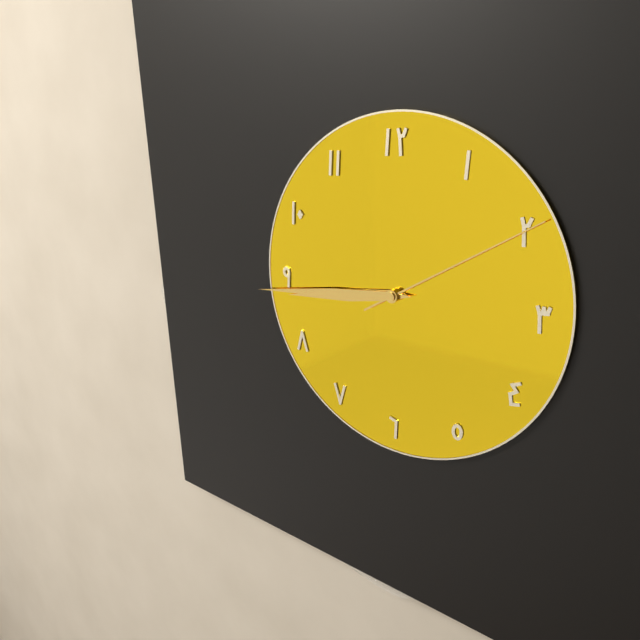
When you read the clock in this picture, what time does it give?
8:44:10
